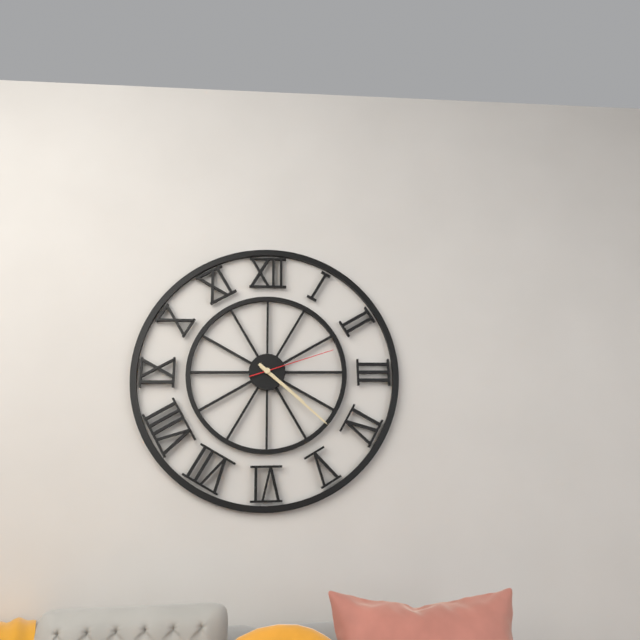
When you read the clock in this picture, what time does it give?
4:22:12
